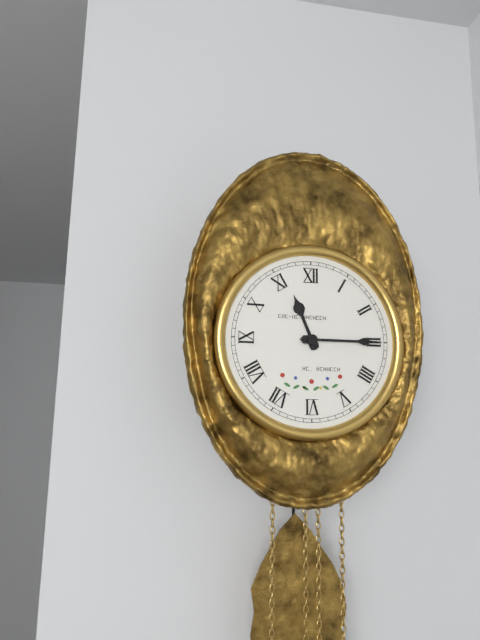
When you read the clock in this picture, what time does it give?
11:15
